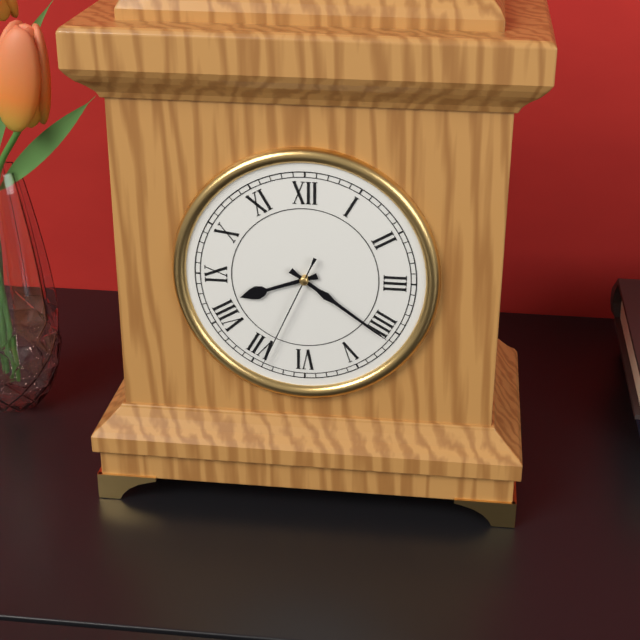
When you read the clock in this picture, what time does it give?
8:21:34
